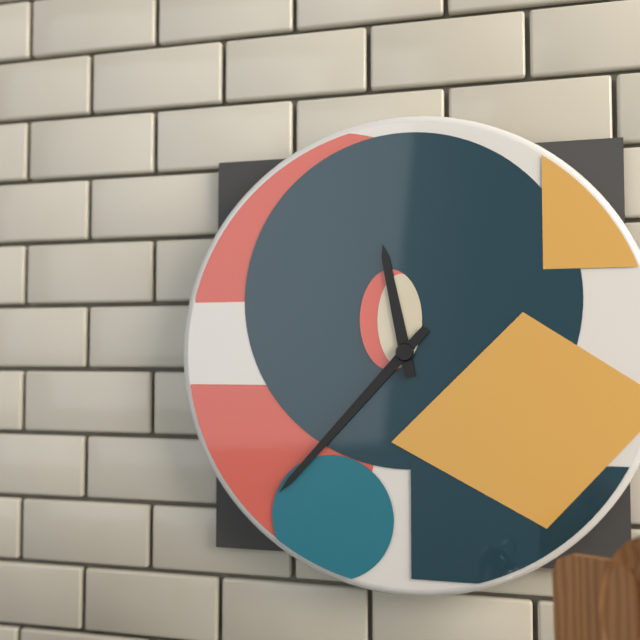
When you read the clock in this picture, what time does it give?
11:37
